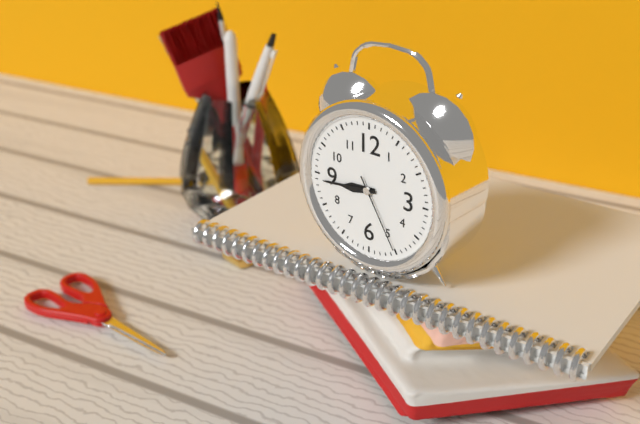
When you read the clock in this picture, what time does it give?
8:44:25
